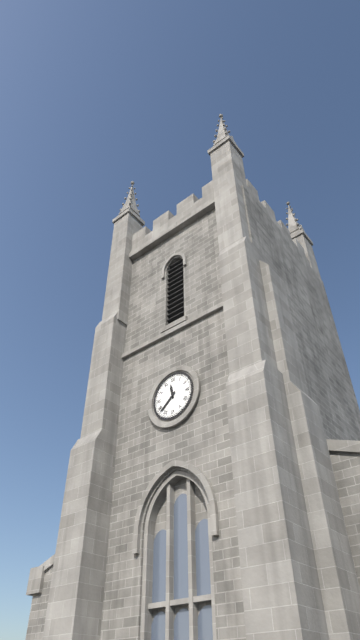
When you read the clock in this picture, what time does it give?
11:38
